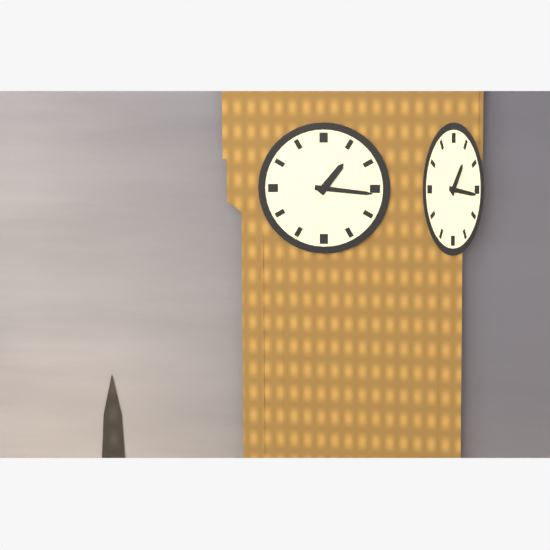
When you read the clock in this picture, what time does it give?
1:16
